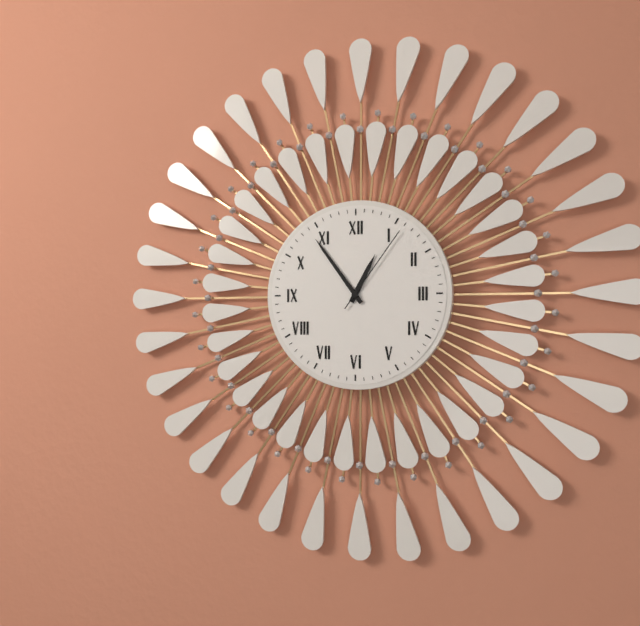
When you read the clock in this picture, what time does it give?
12:54:06
